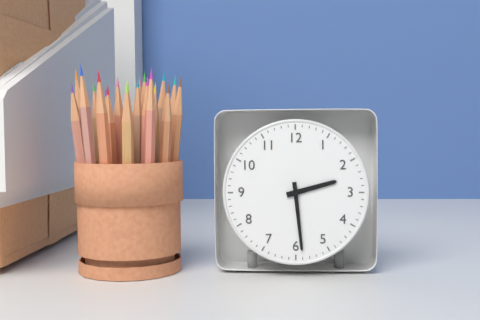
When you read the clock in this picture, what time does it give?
2:29
